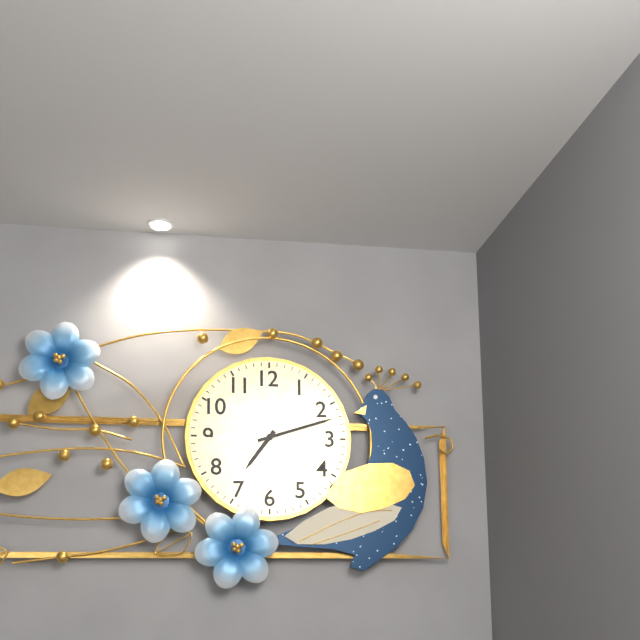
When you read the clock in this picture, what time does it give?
7:12
